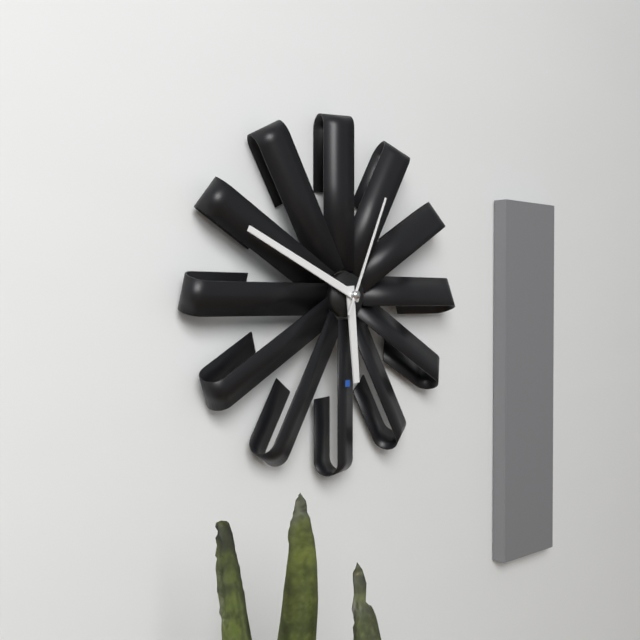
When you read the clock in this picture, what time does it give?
5:49:04
